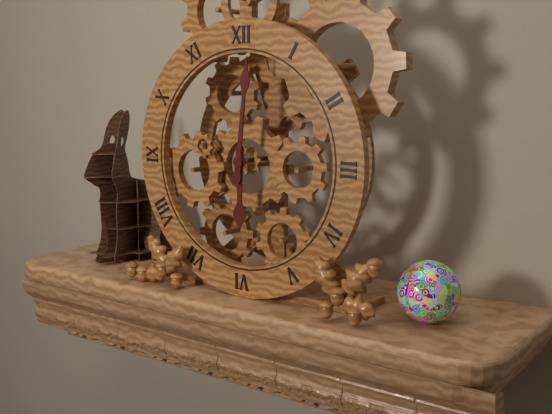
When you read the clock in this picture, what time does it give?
6:01
